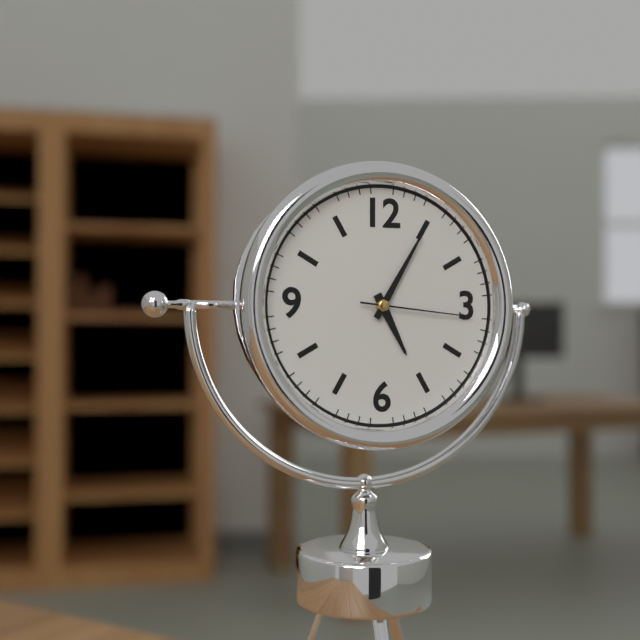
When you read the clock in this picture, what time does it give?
5:05:16
